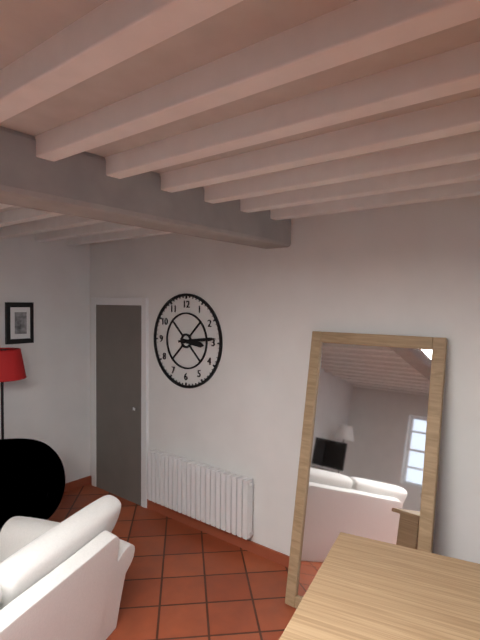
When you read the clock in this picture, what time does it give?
3:14
